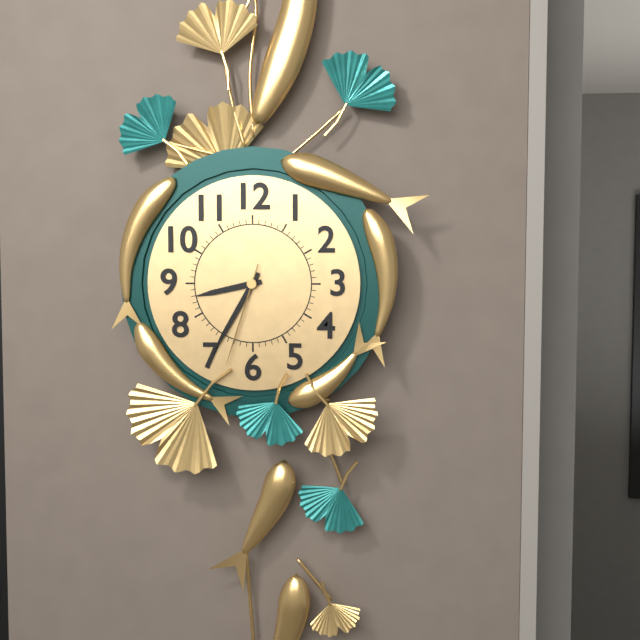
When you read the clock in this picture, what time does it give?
8:35:33
